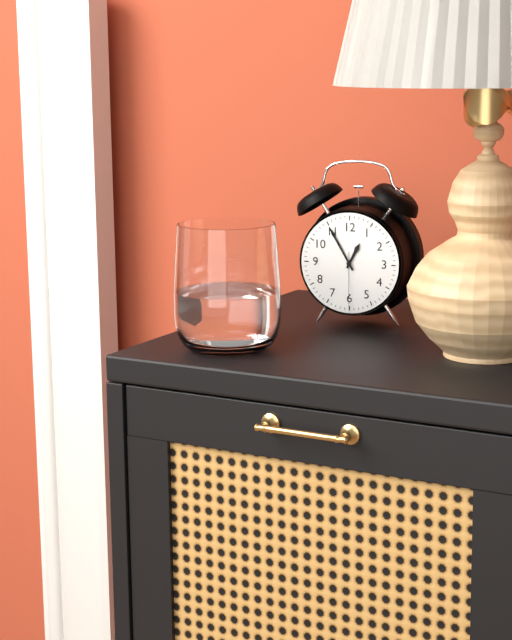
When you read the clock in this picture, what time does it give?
12:55:30
